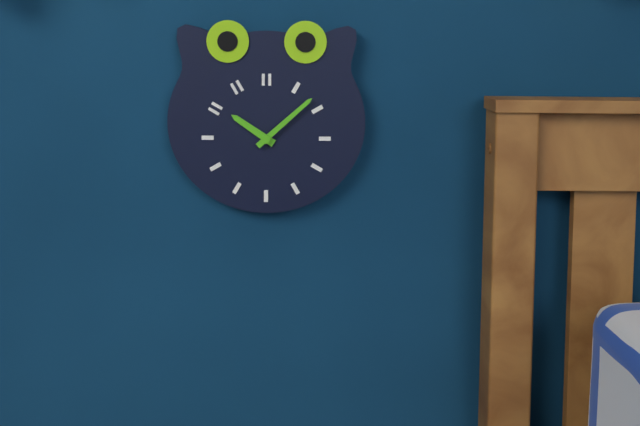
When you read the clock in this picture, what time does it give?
10:08
